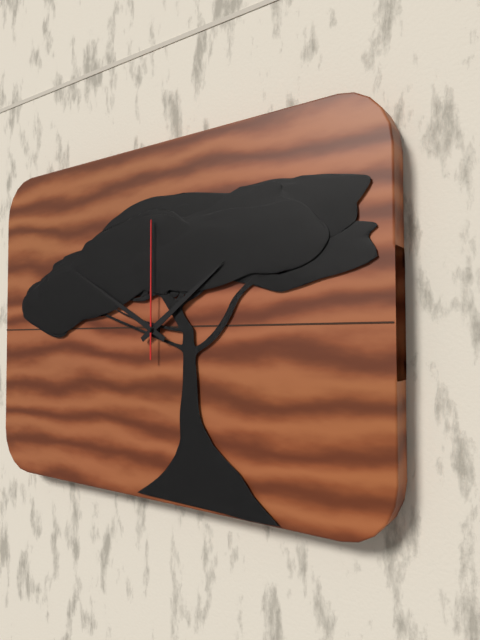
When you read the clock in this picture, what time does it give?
1:50:00
